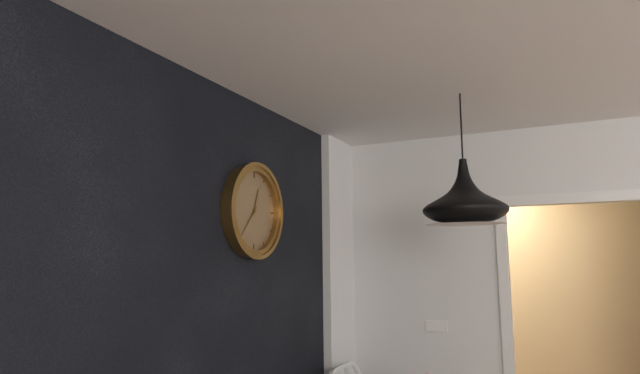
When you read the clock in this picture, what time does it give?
12:37
